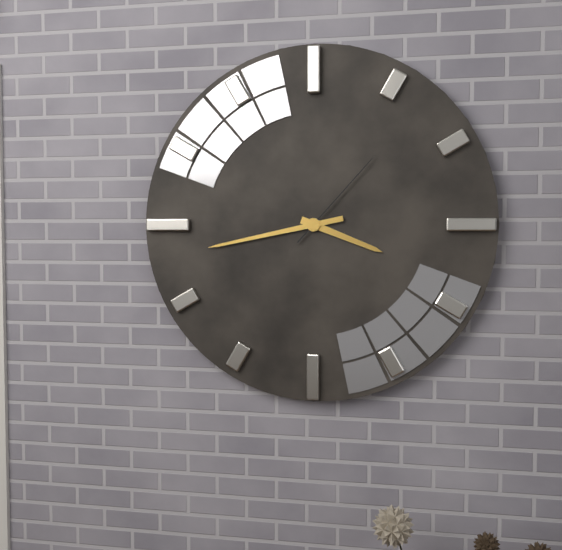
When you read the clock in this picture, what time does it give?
3:43:07
